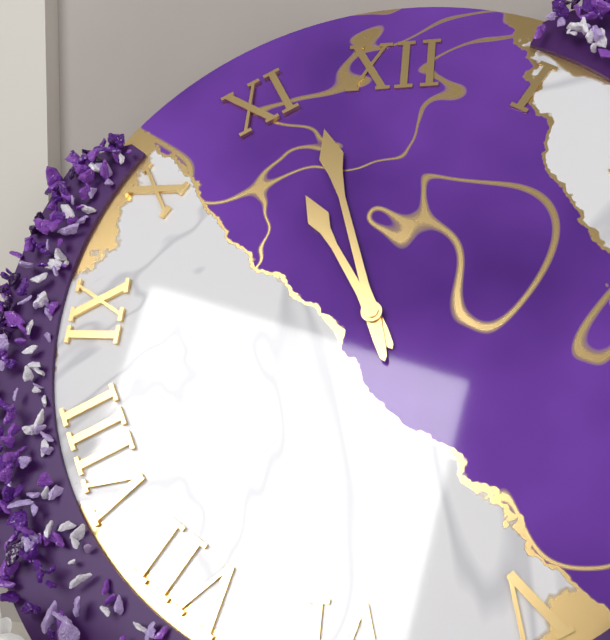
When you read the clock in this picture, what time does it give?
10:57
